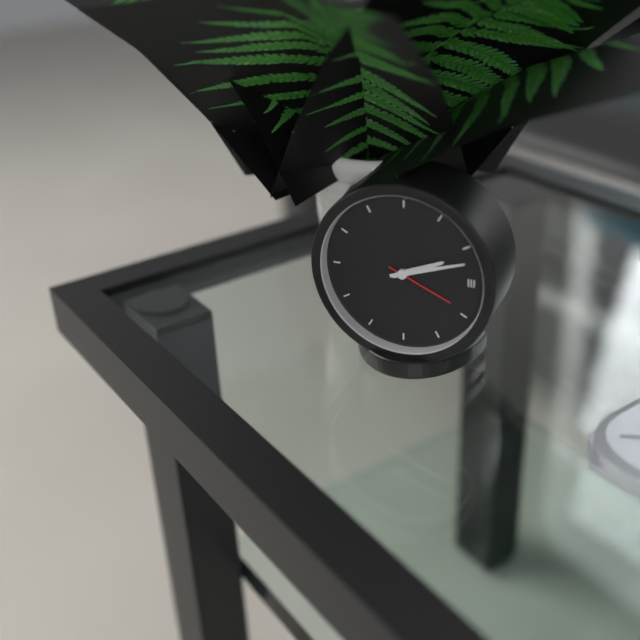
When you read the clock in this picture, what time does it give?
2:12:19
